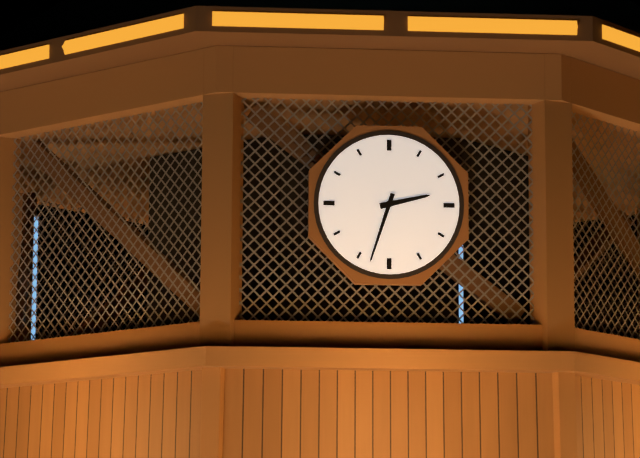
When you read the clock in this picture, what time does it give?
2:33
